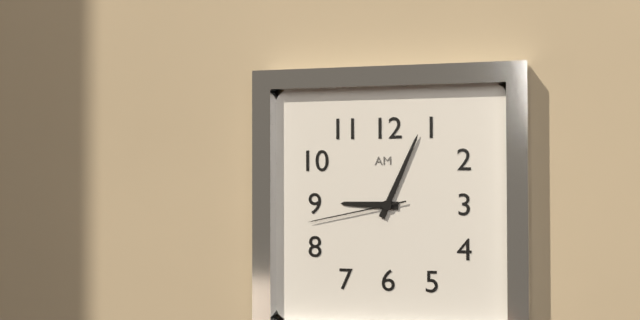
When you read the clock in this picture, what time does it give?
9:04:43
